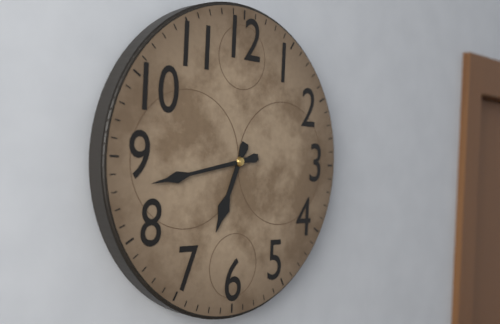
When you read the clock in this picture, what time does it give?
6:43
